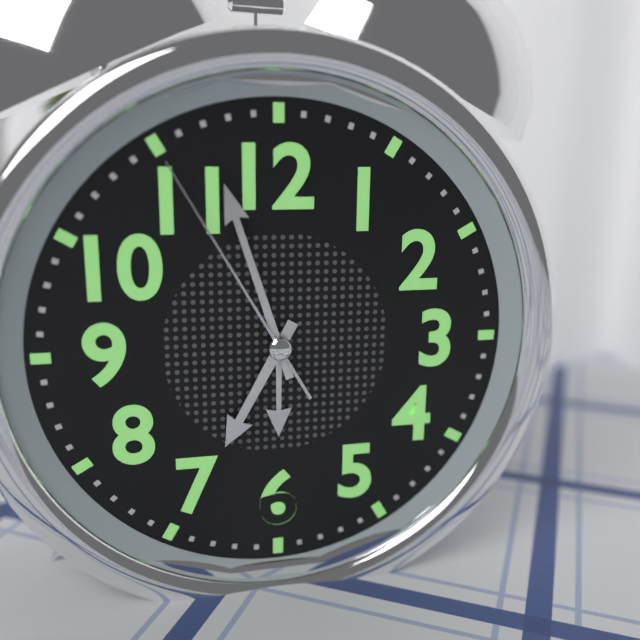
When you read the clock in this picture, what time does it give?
6:57:55
